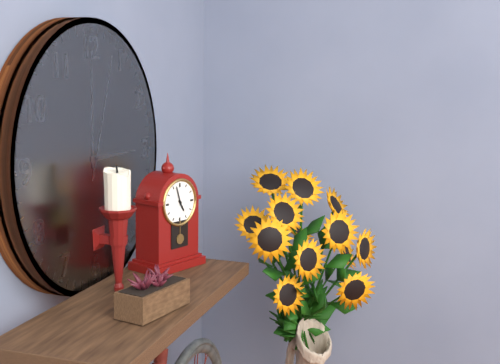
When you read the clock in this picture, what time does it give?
4:57
